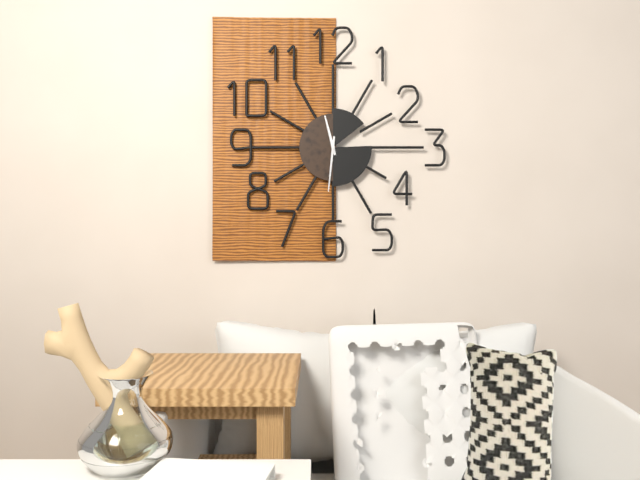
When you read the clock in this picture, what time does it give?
11:31
